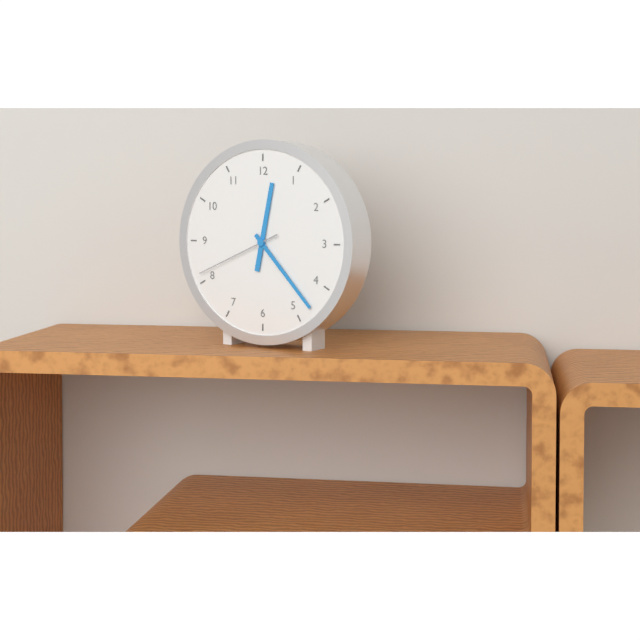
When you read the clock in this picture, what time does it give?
12:23:41
